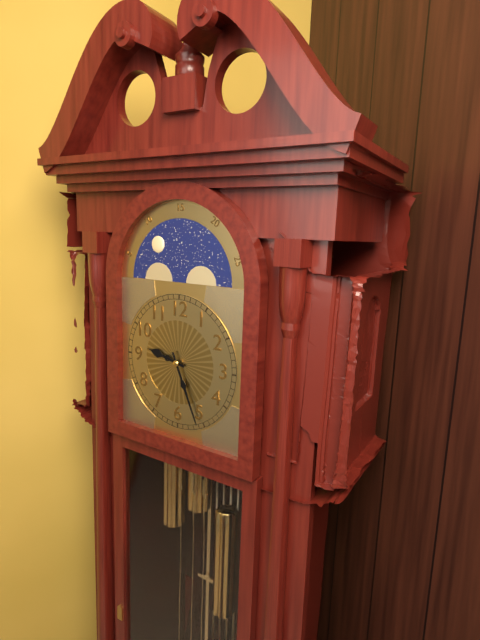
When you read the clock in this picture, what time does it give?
9:26
